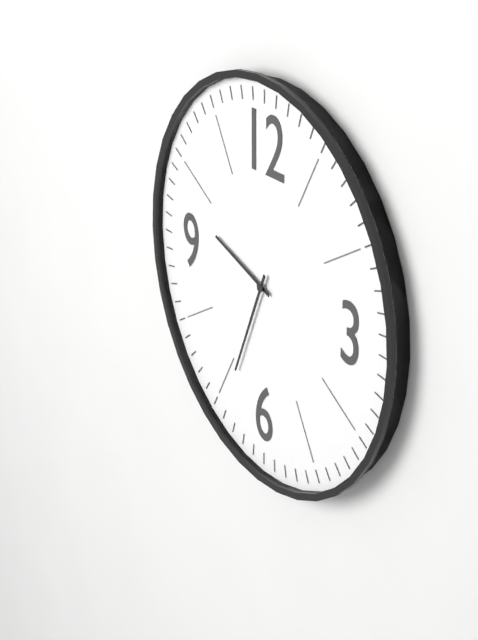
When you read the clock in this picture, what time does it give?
9:34
